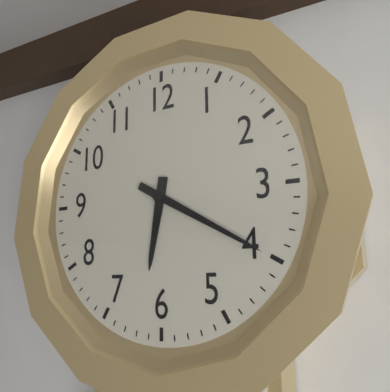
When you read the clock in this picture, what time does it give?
6:20
